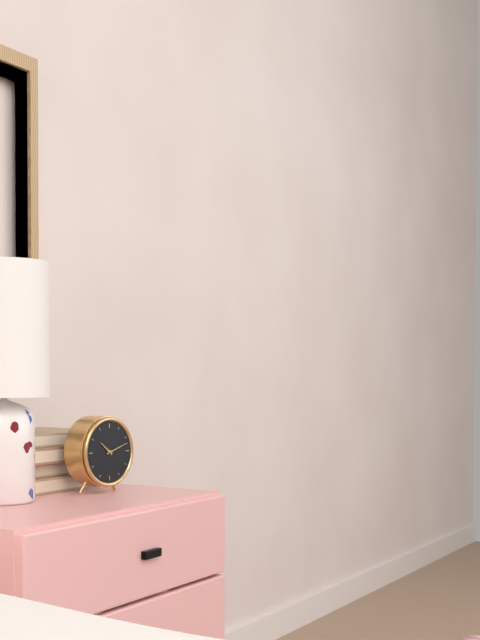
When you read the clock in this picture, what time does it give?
10:12
